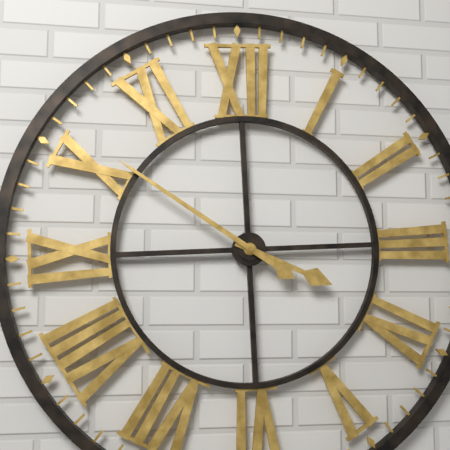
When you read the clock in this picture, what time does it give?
3:51
